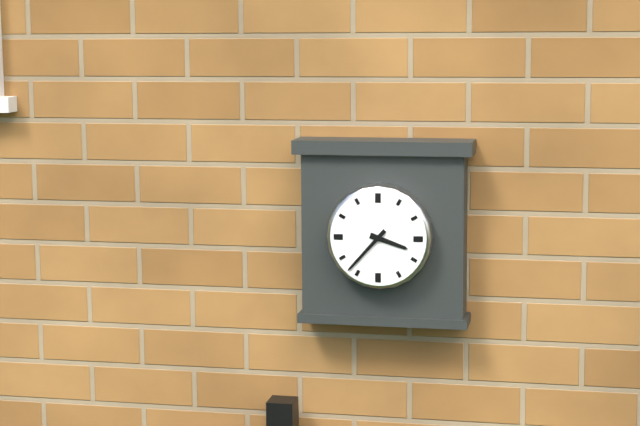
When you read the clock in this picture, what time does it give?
3:37
